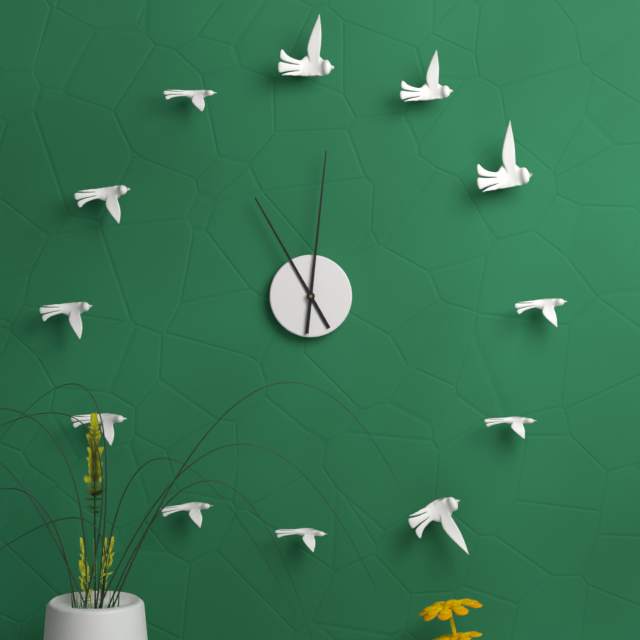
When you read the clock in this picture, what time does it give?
11:01
